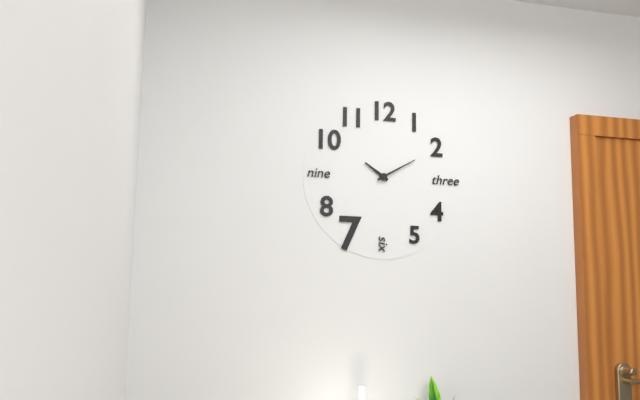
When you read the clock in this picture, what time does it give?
10:10
